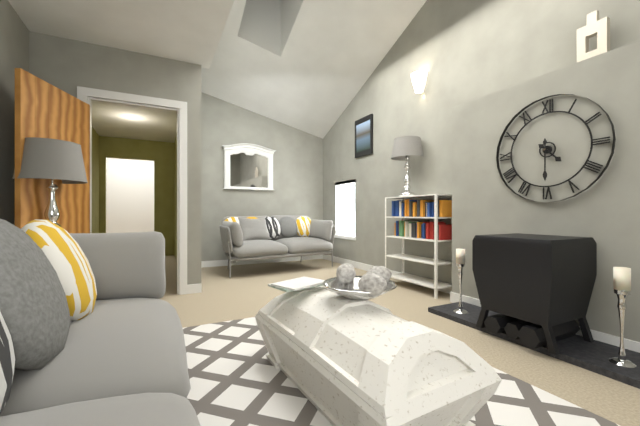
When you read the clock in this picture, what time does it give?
4:30
